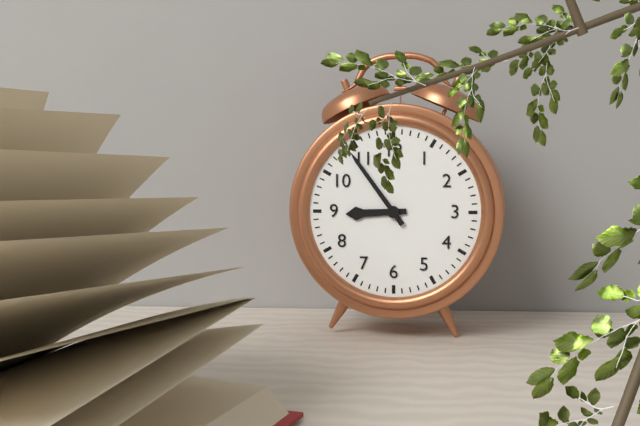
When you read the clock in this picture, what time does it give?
8:54
